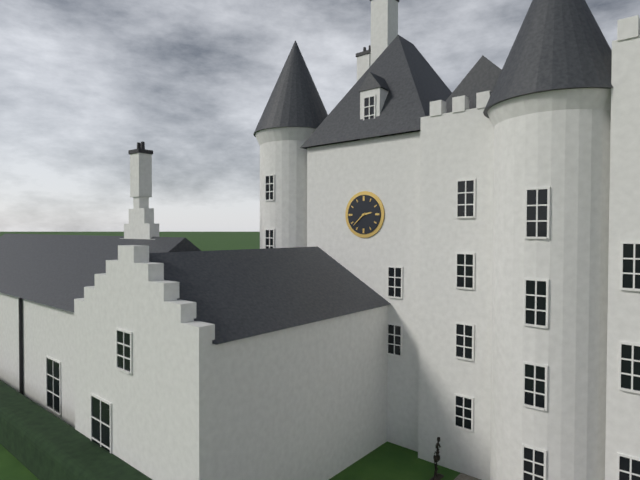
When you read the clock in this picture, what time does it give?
2:38
